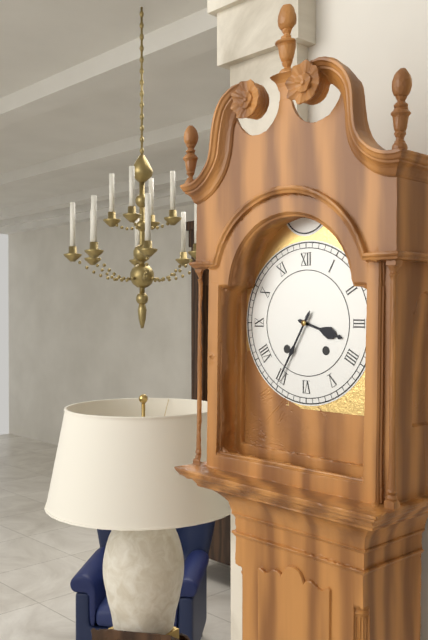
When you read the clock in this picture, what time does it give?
3:35
